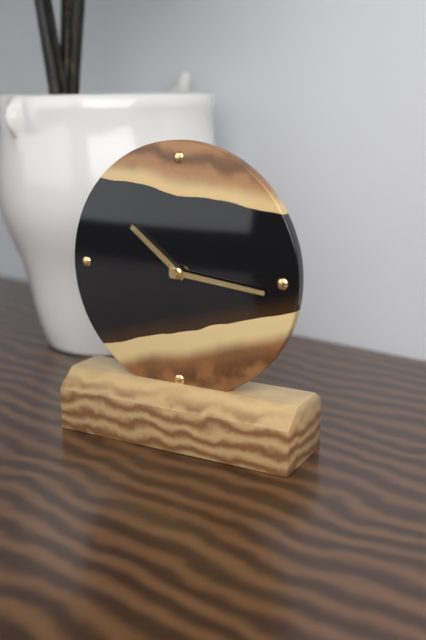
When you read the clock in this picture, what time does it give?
10:16
